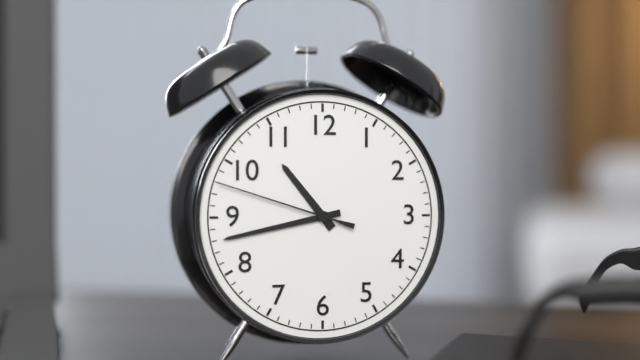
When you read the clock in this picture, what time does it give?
10:43:48
